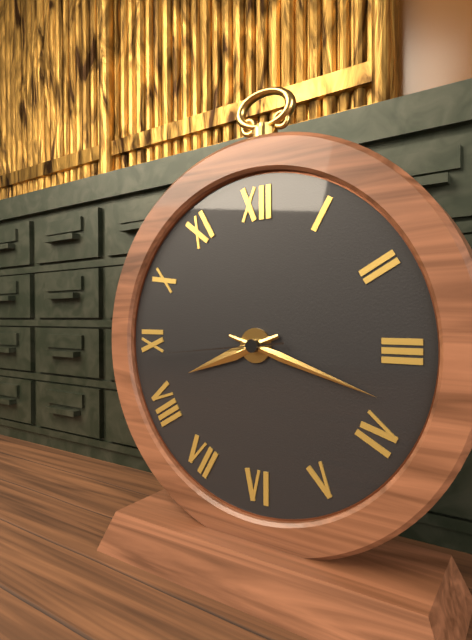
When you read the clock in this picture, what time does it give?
8:18:44
